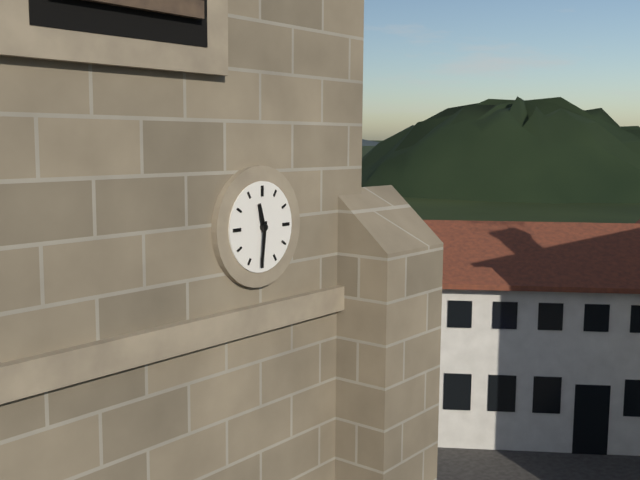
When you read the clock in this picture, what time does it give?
11:31
